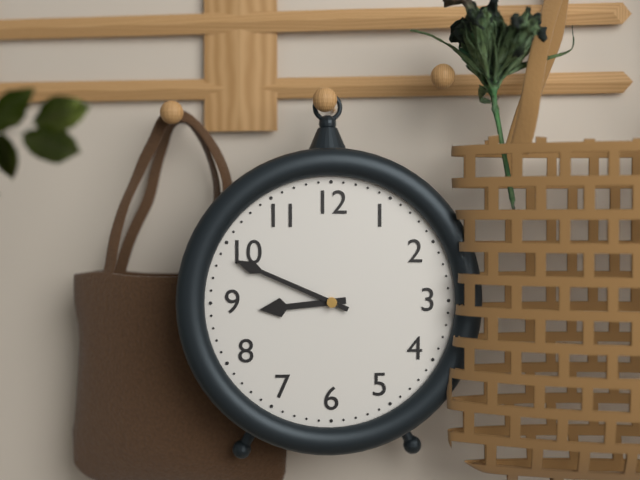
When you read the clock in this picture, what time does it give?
8:49
